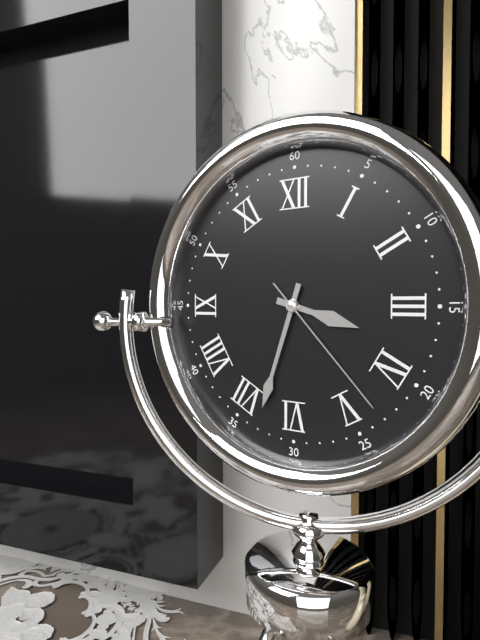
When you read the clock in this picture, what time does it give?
3:33:23
